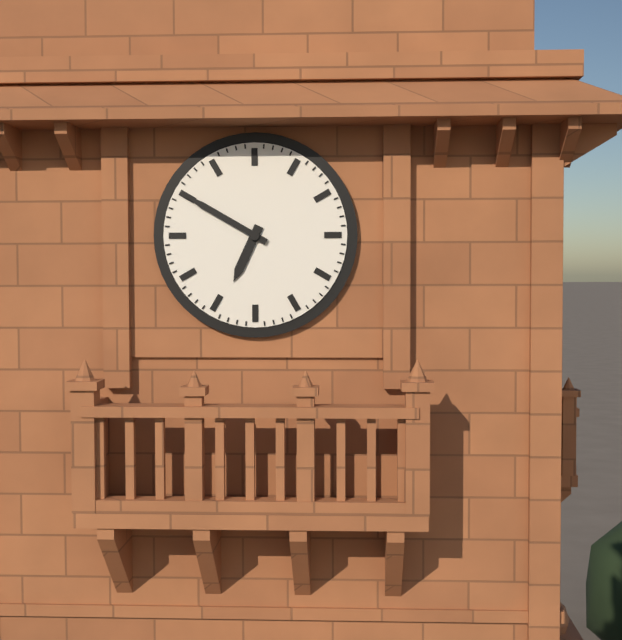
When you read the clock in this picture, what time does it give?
6:50
